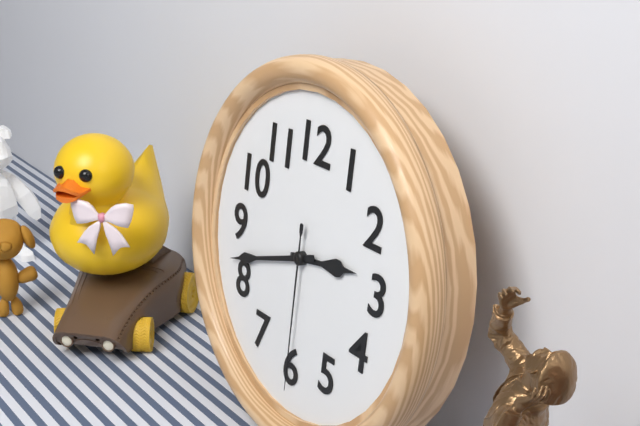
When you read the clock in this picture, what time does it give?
2:42:30
